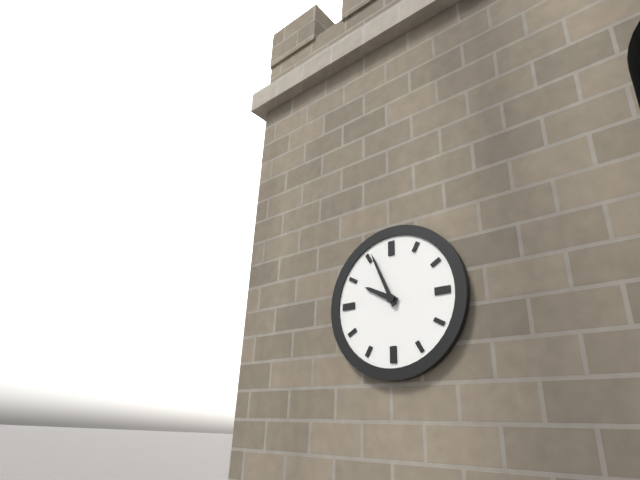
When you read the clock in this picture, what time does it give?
9:56
